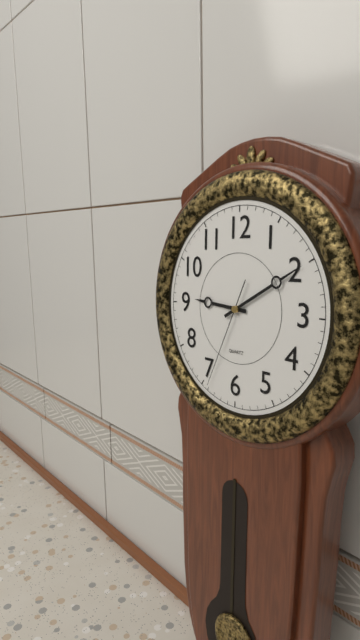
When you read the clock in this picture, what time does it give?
9:10:34
